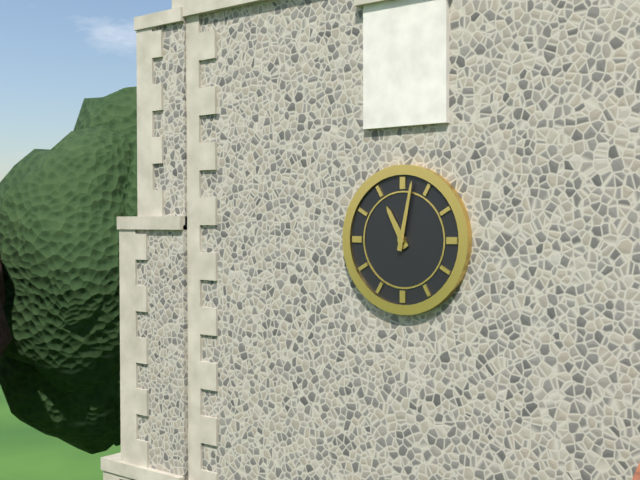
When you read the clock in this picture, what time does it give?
11:02
